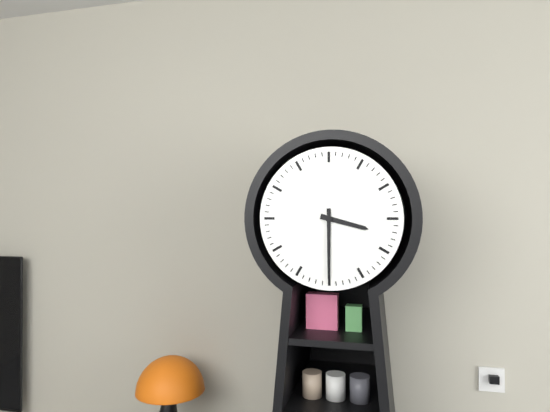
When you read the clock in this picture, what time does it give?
3:30
